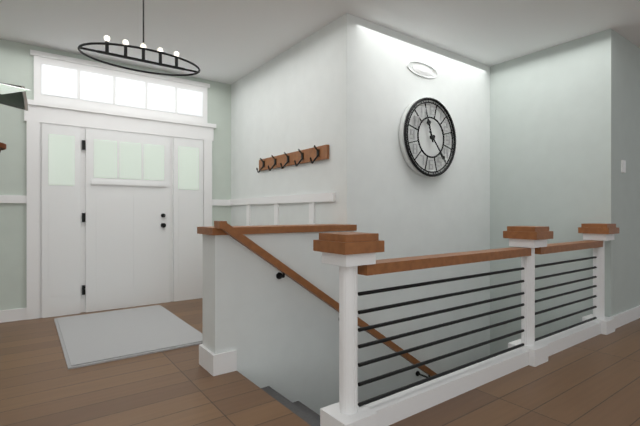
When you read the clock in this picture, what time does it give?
11:23
